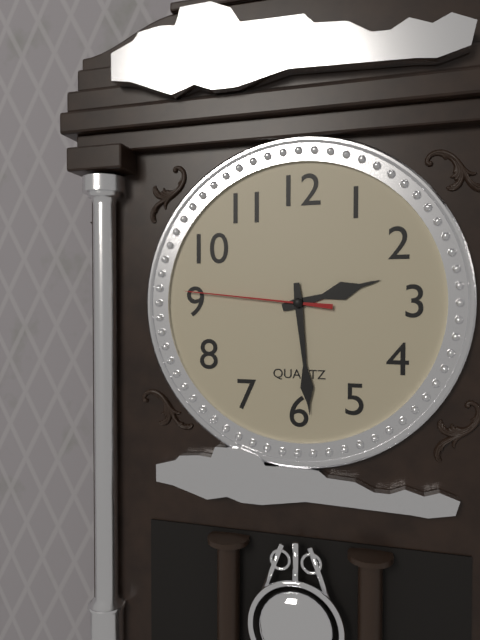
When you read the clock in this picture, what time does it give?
2:29:46
